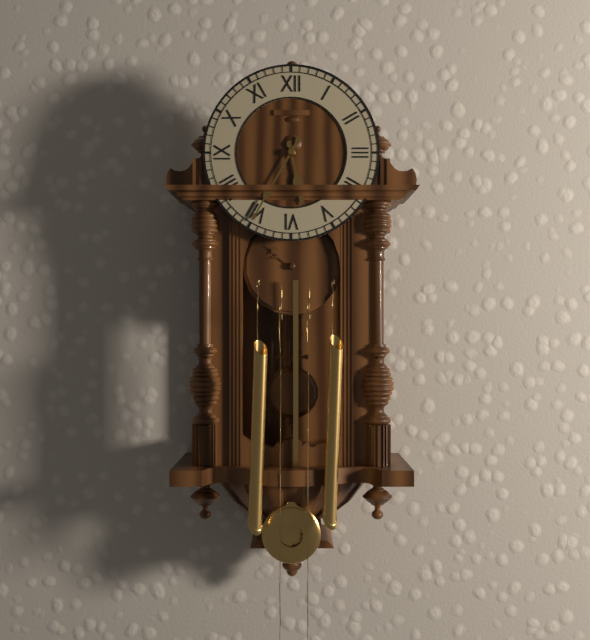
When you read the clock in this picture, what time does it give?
5:35
